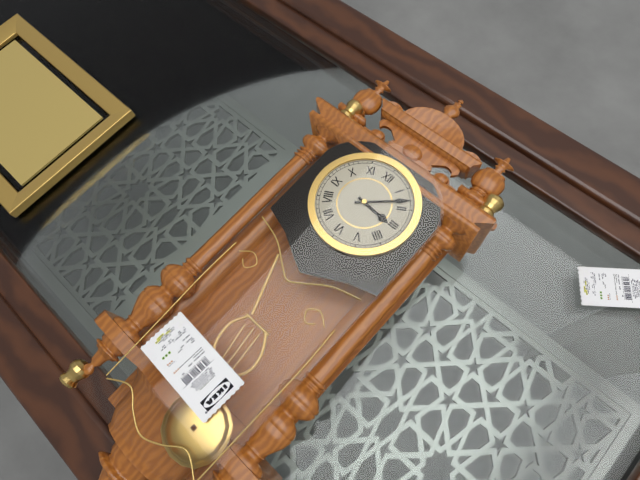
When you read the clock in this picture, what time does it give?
3:08
